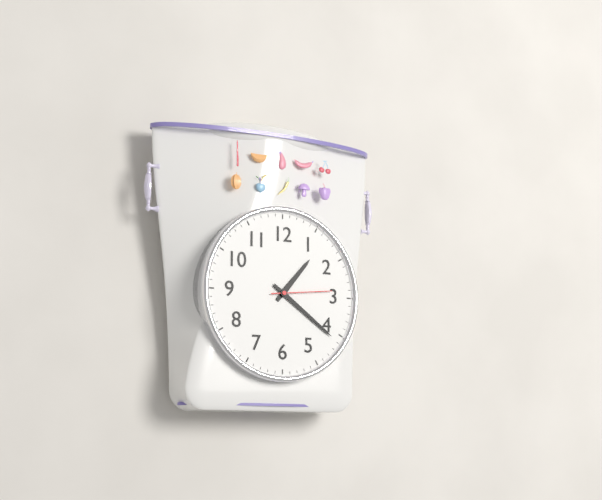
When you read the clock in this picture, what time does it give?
1:21:14
